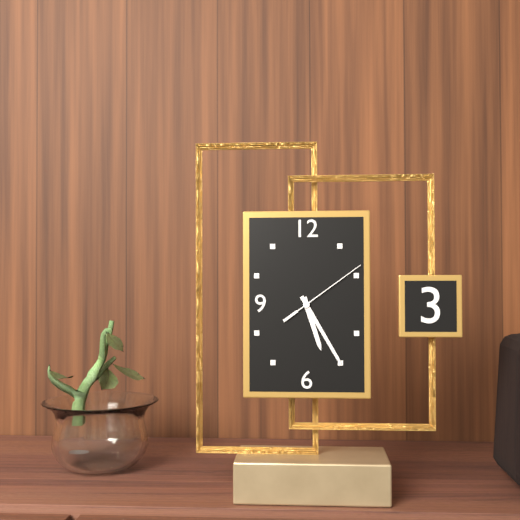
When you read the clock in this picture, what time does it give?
5:25:09
